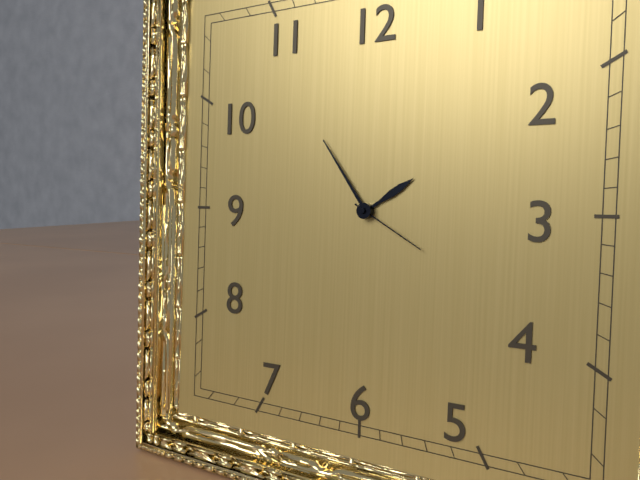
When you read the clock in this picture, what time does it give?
1:54:20
